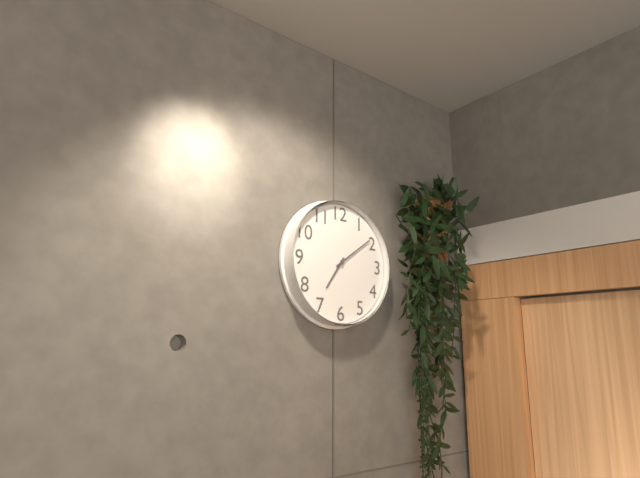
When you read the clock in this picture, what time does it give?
7:09
